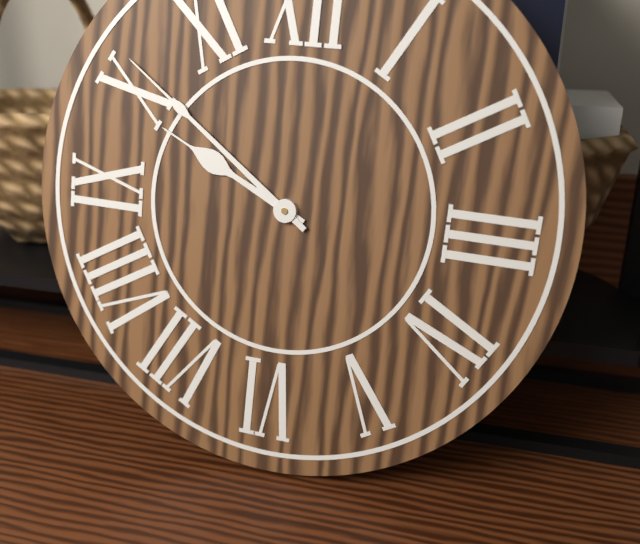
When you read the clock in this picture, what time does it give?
9:51
